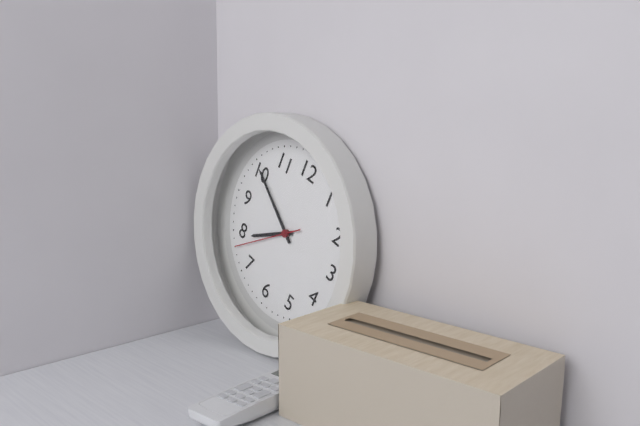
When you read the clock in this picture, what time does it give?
7:50:38
